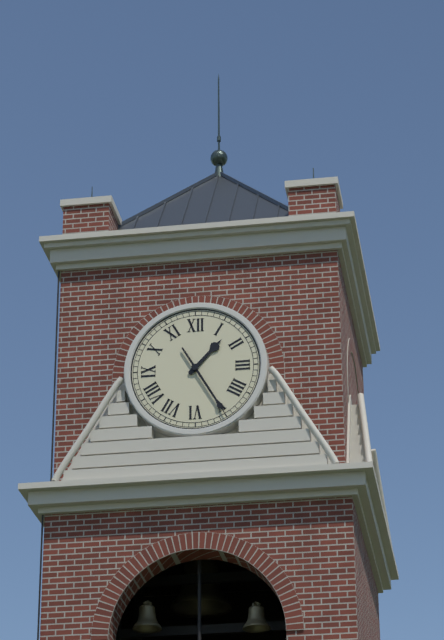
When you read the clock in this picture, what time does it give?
1:25
